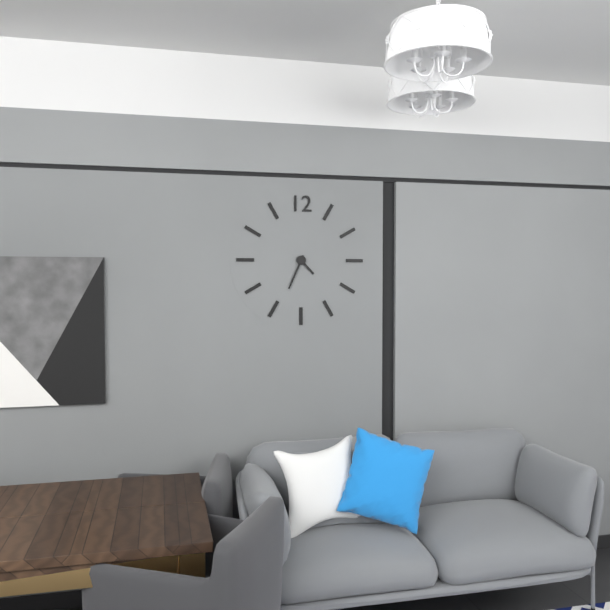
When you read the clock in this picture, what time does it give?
4:34
